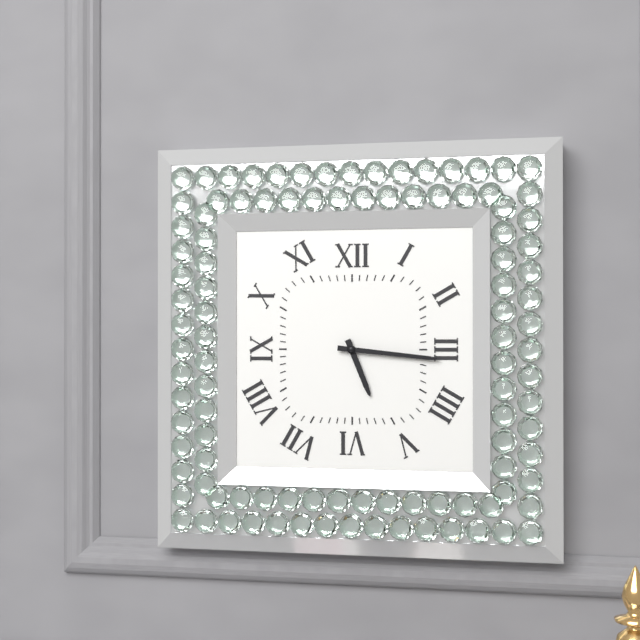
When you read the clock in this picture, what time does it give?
5:16
